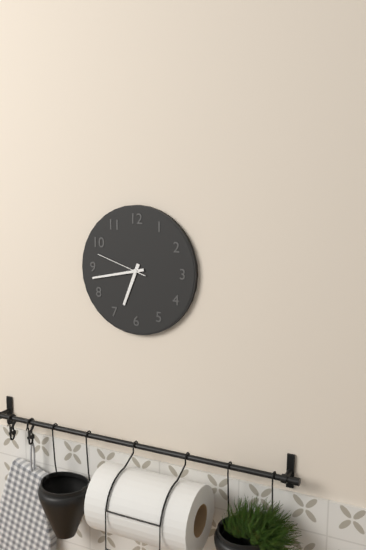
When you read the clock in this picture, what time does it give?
6:43:48
